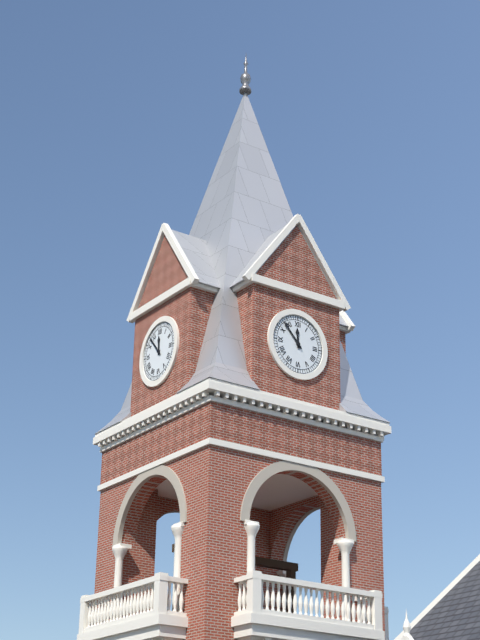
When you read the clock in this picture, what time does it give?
11:53
